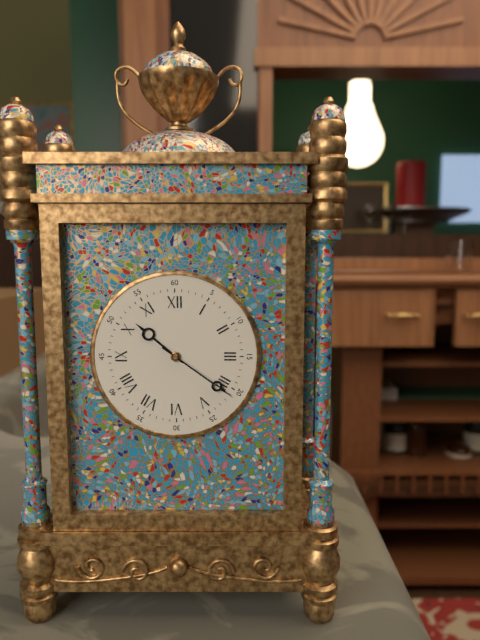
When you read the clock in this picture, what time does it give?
10:21
